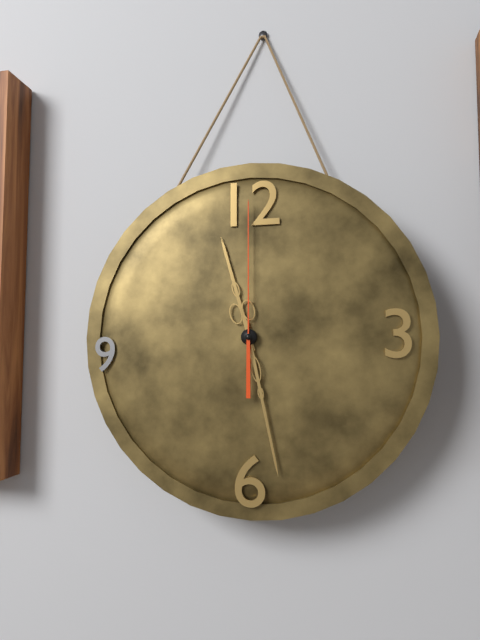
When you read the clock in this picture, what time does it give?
11:28:00
